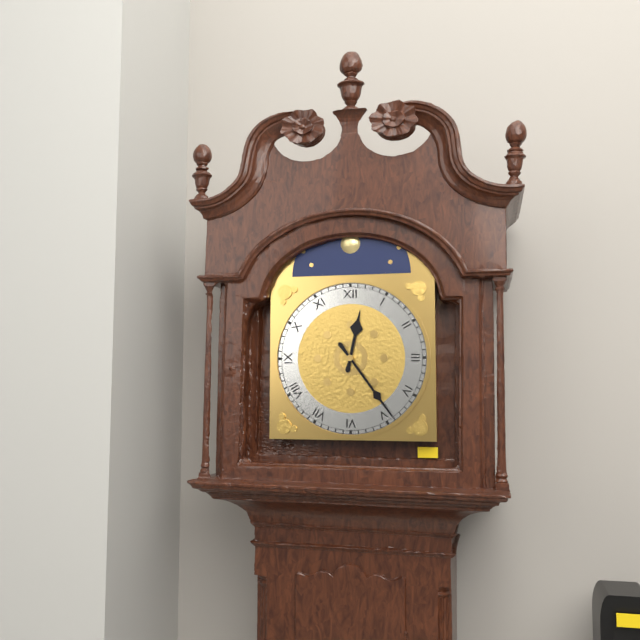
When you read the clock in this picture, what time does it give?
12:24
